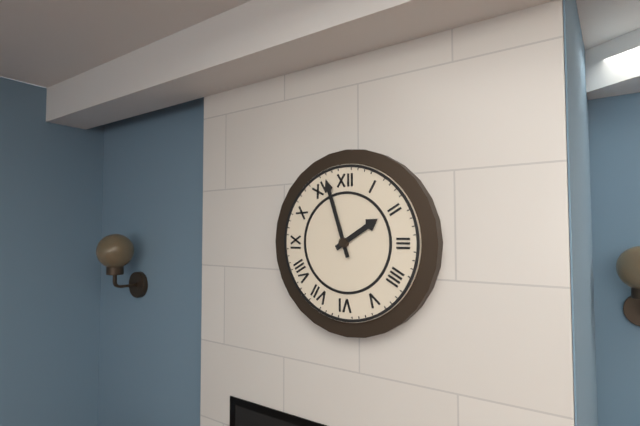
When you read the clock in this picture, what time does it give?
1:57
